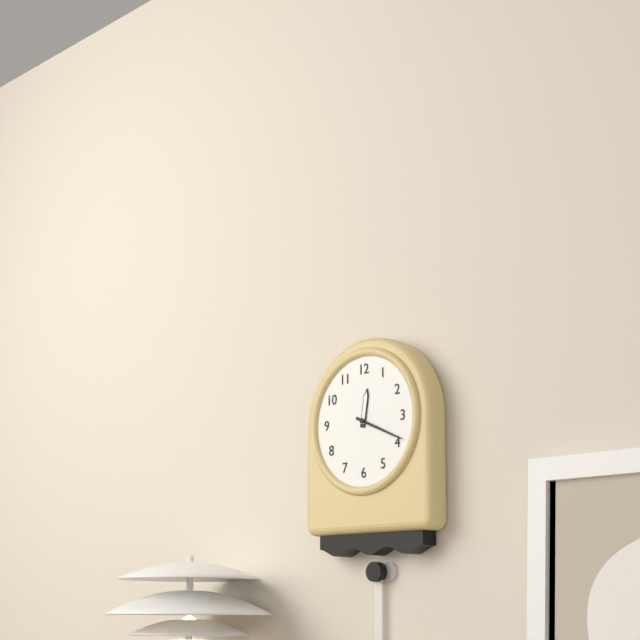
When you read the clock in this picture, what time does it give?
12:19
